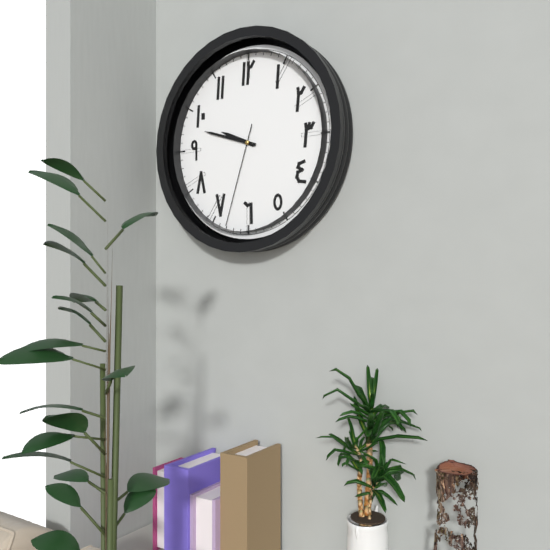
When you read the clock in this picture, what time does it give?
9:48:33
